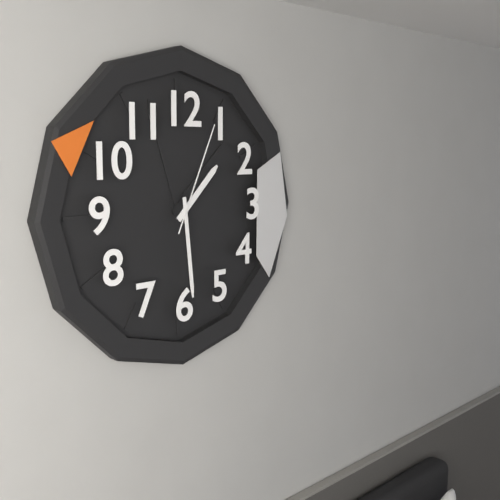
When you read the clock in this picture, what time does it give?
1:29:04
